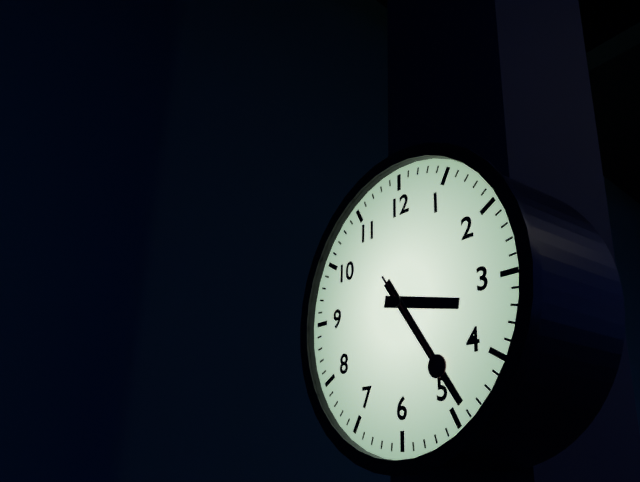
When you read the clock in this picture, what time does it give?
3:24:24
